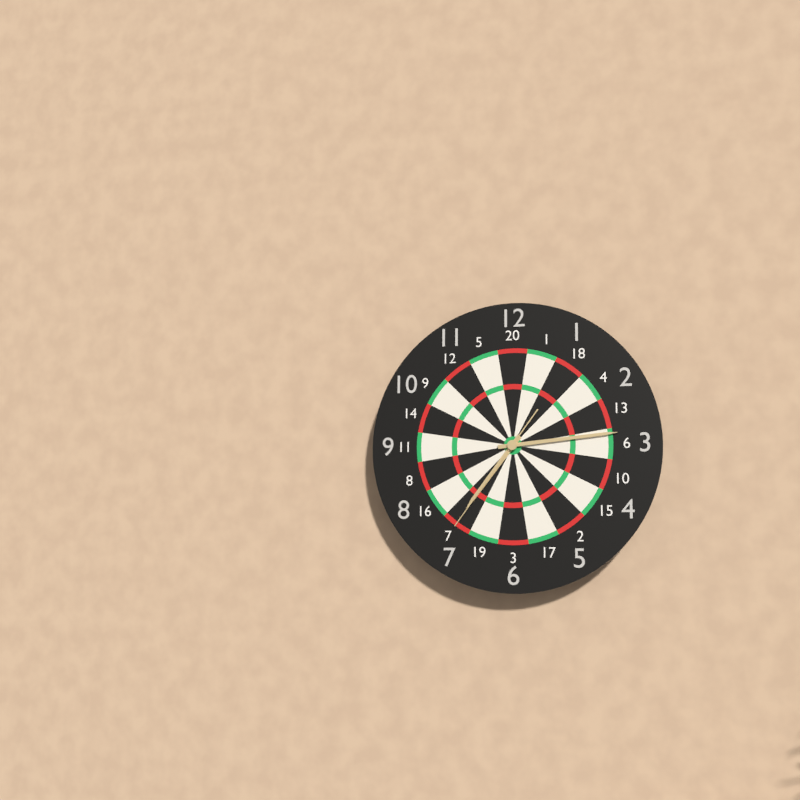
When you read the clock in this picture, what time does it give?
7:14:36
